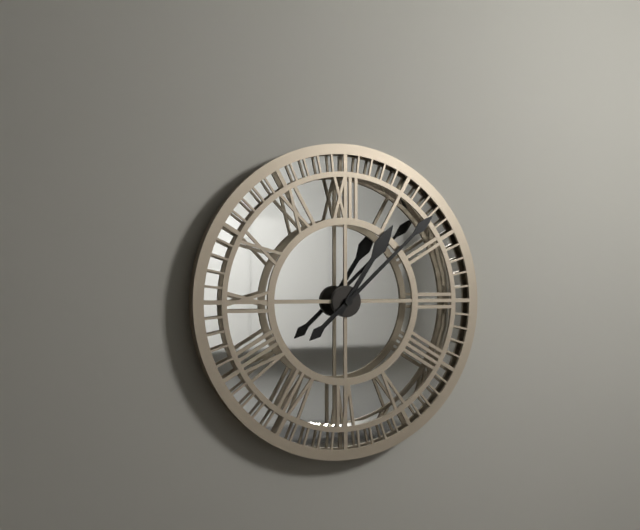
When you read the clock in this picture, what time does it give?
1:08
